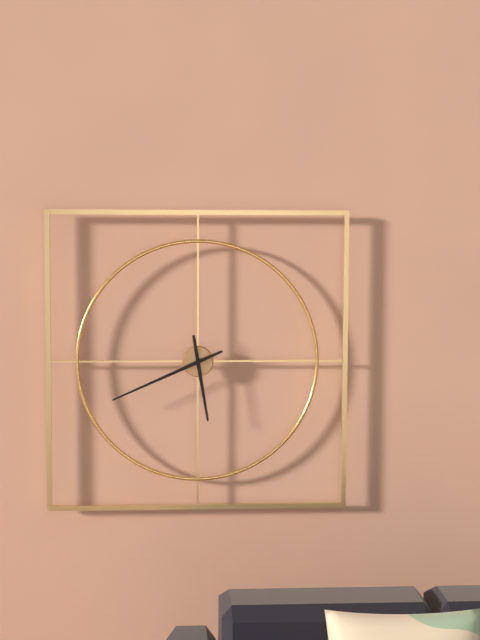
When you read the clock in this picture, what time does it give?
5:41
